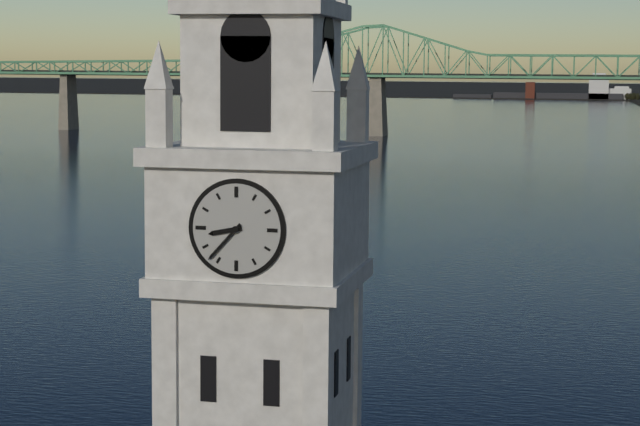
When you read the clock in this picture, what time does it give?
8:37
